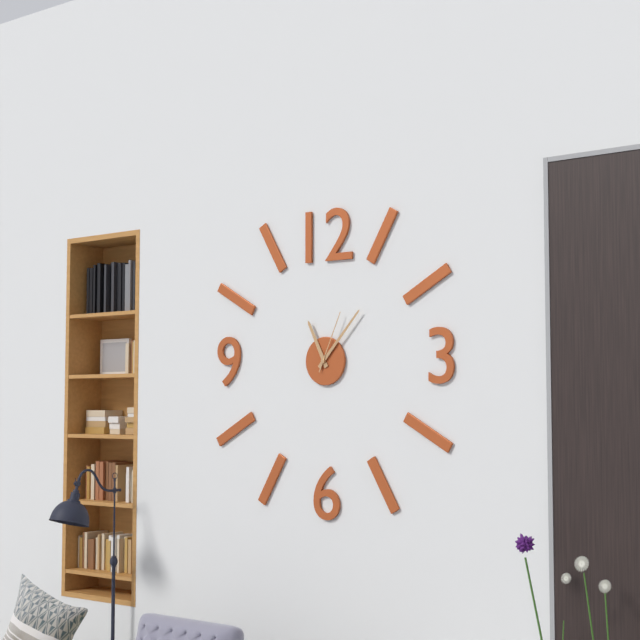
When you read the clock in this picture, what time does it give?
11:07:04
